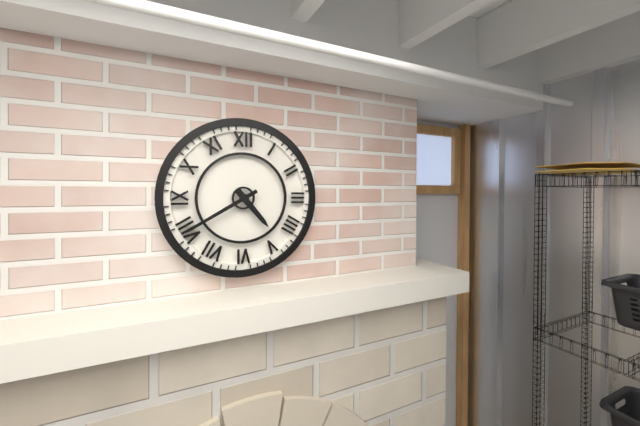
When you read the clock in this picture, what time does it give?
4:40
